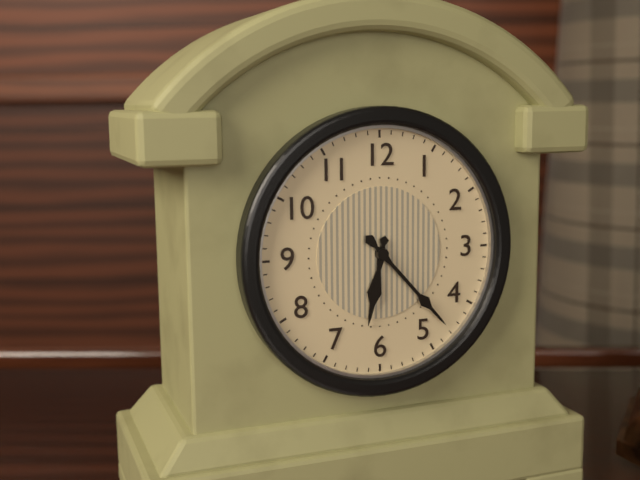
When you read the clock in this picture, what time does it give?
6:23
